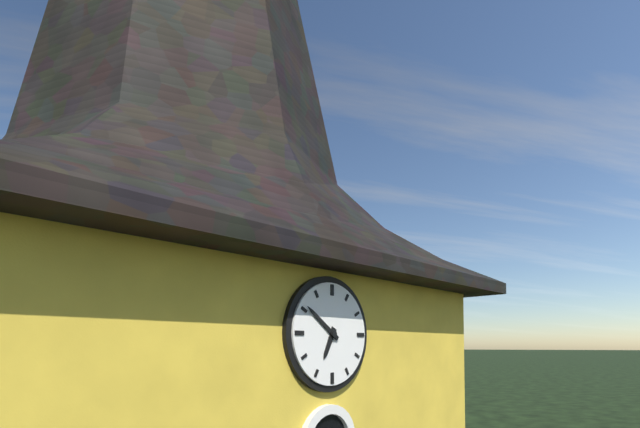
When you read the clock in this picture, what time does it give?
6:51
